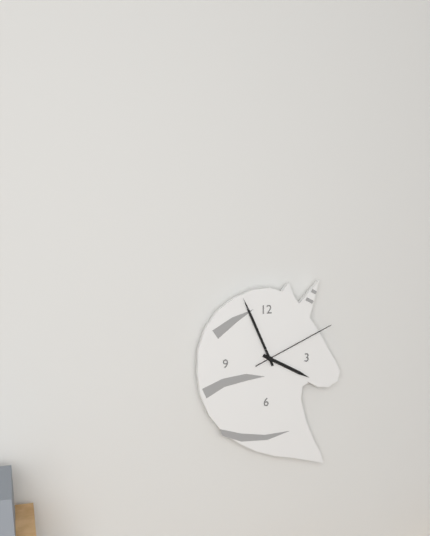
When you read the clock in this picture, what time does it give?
3:56:11
